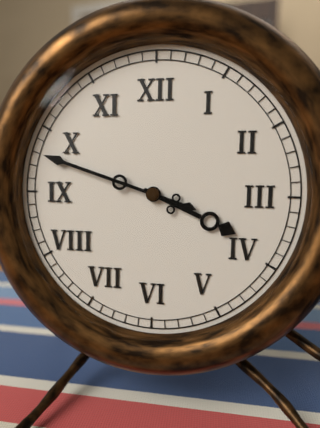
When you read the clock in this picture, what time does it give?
3:48
